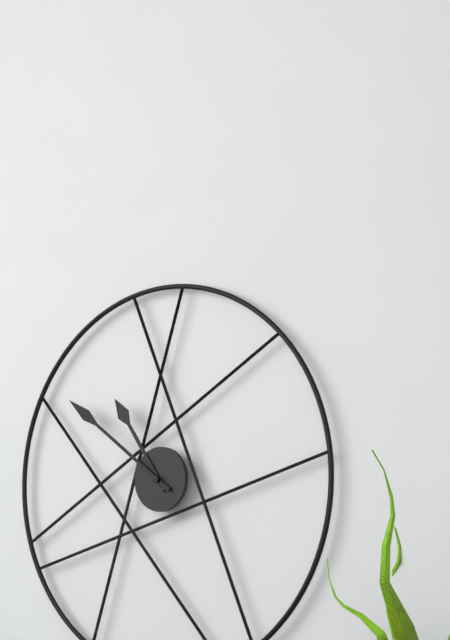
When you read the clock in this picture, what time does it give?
10:51
